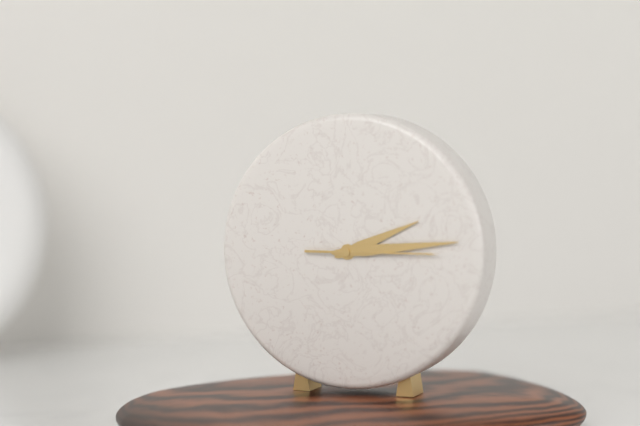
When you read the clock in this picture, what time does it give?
2:14:15
